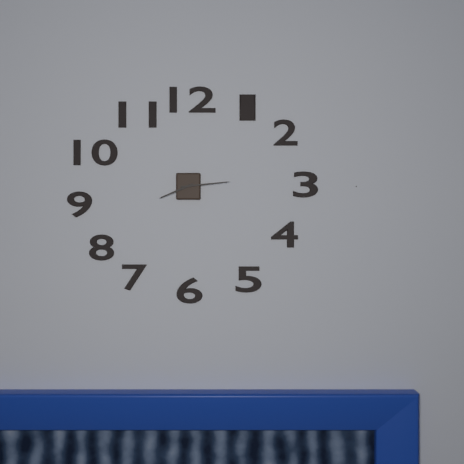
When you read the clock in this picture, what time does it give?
8:14
